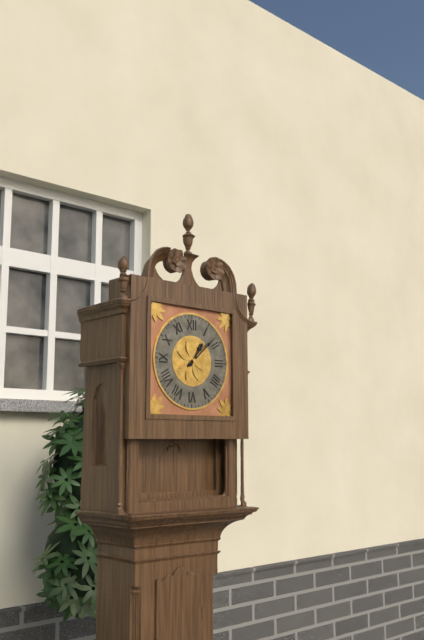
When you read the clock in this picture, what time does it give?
1:08
